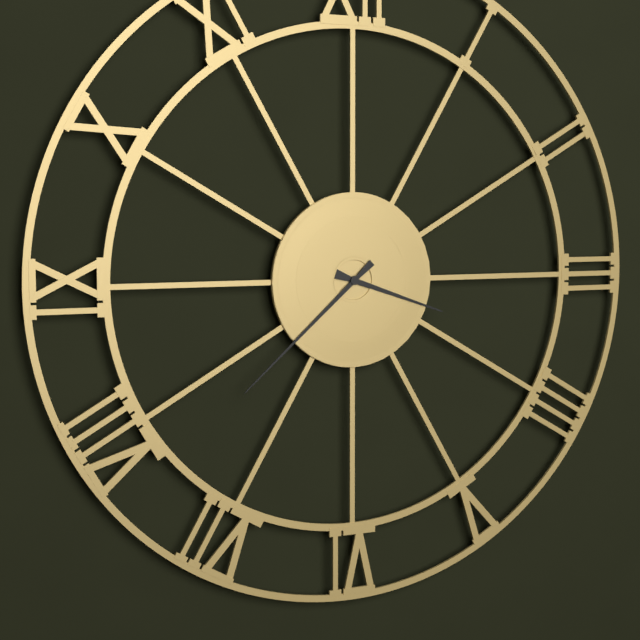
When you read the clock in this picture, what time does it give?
3:38
